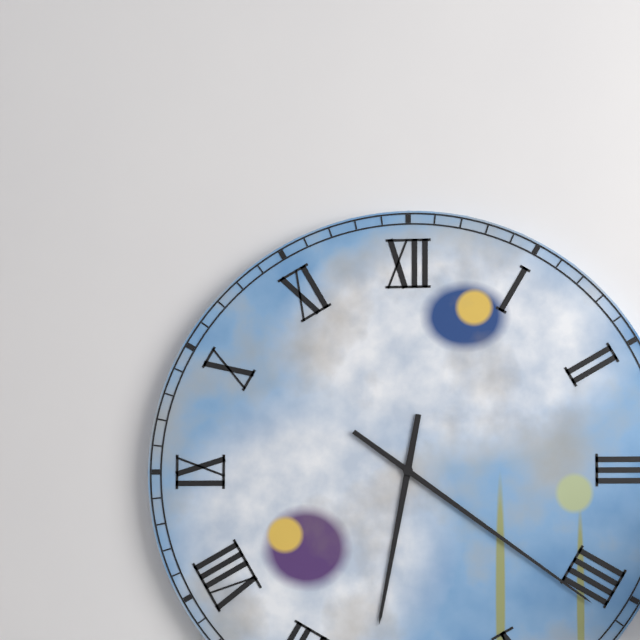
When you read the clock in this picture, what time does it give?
6:21
